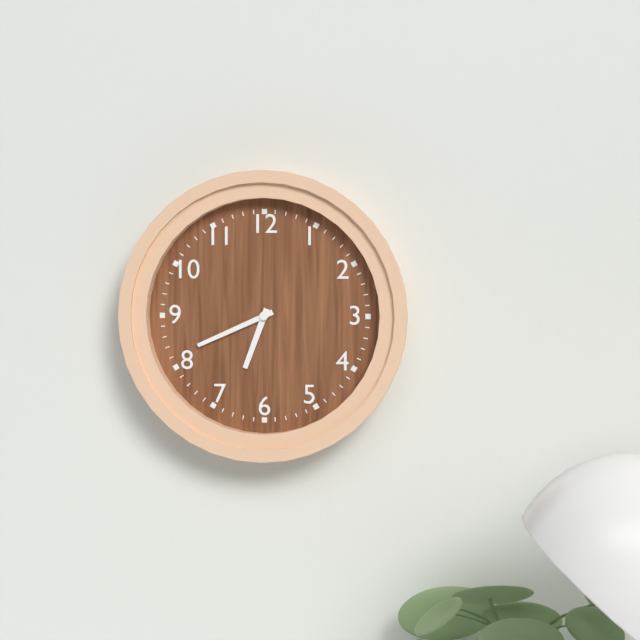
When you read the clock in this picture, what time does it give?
6:41
